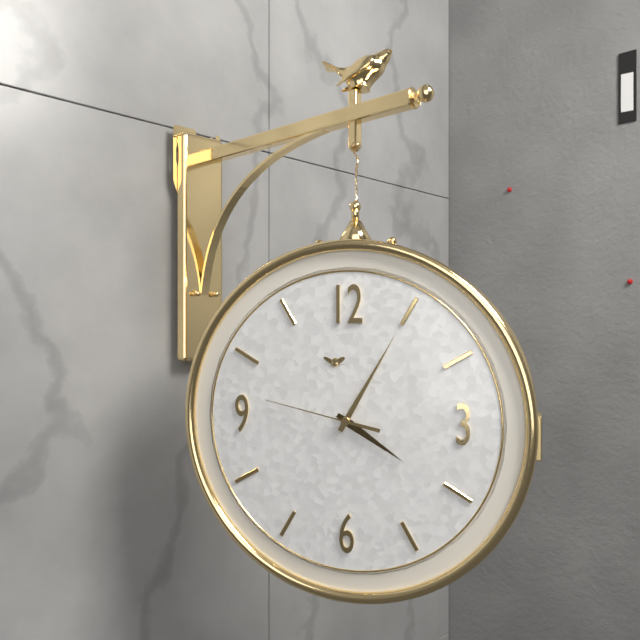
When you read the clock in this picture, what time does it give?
4:05:47
